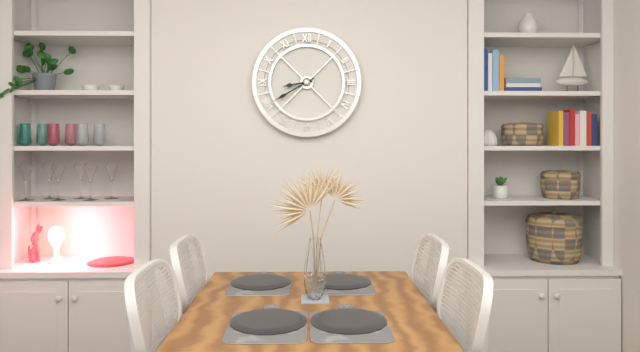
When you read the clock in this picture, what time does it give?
8:40
